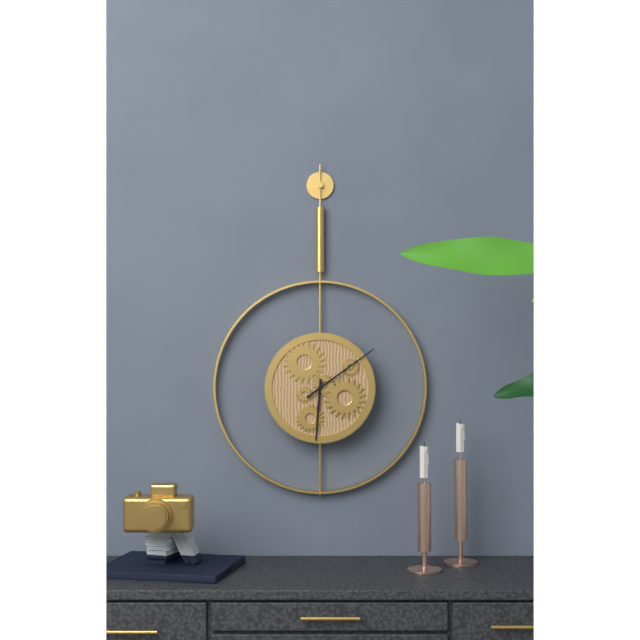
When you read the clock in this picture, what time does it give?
6:09
